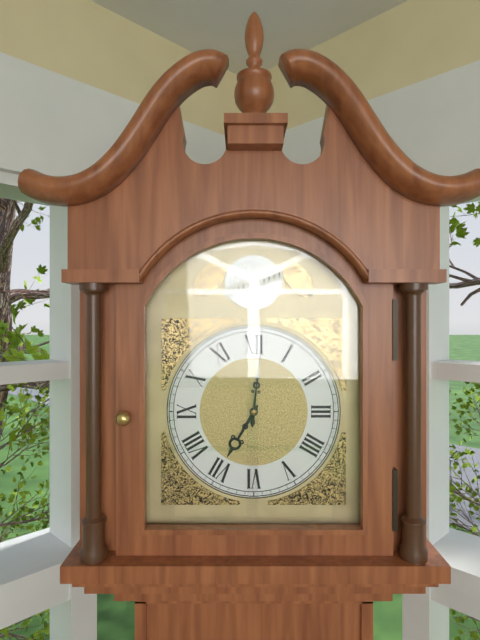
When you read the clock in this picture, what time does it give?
7:01
